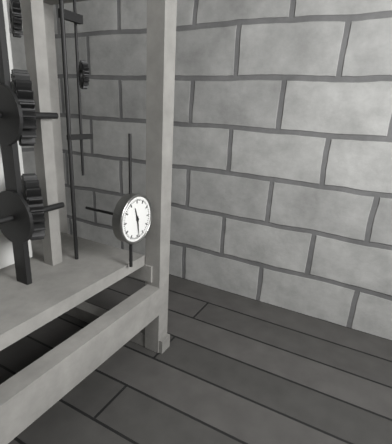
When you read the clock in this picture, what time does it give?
11:29
